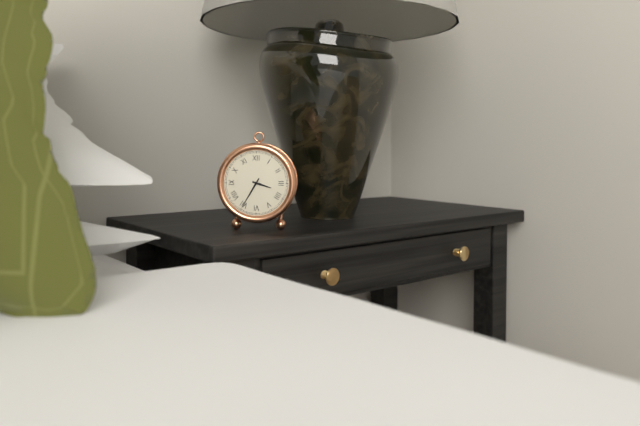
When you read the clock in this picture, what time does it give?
3:35
